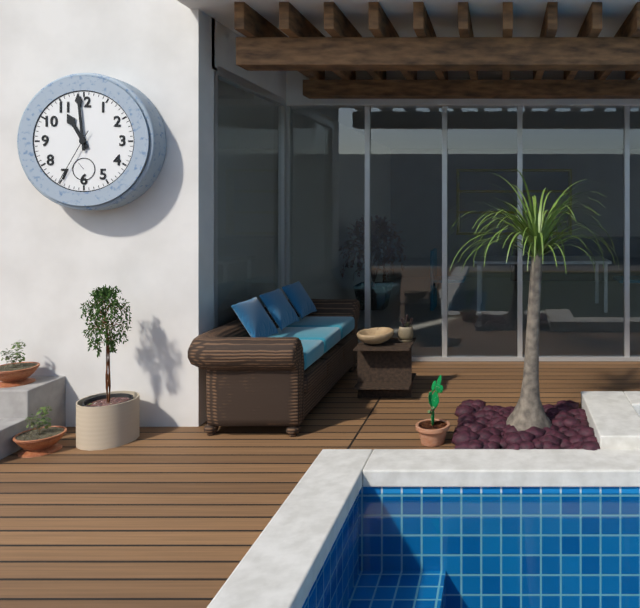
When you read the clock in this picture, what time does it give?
10:59:35
